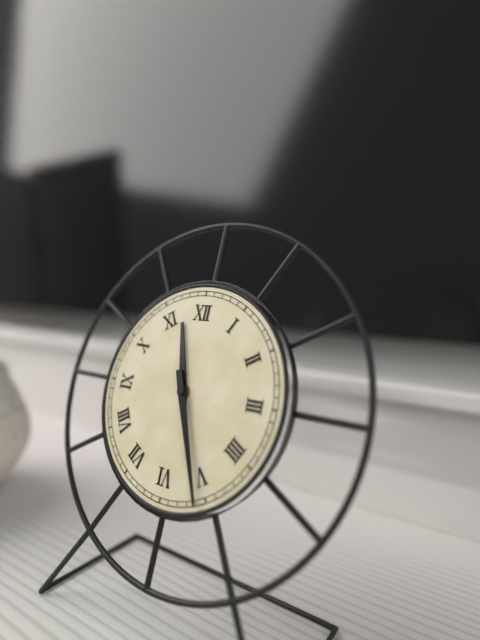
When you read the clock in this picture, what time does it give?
11:26
